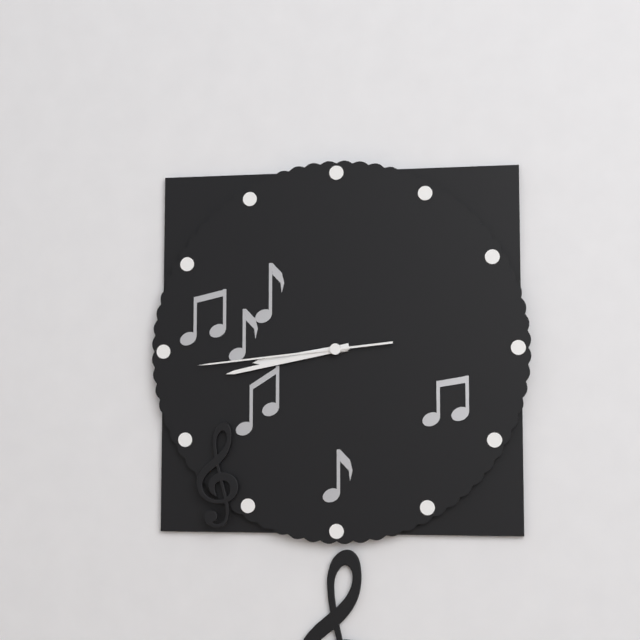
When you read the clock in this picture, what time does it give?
8:43:44
